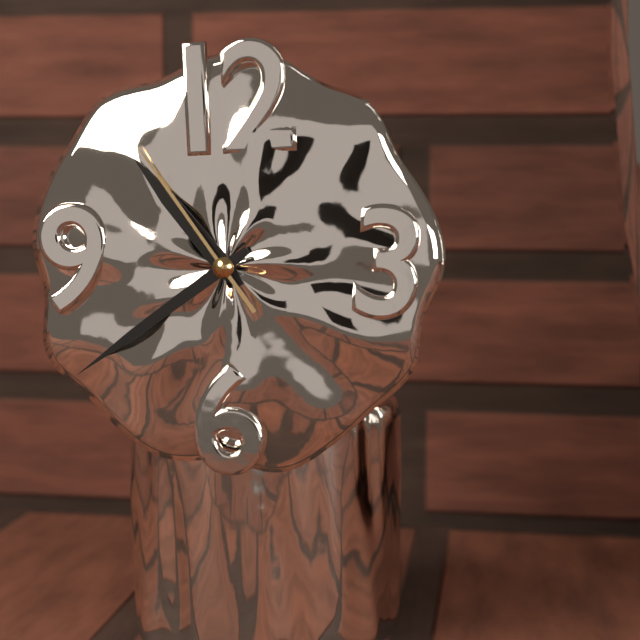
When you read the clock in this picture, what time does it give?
10:39:54
